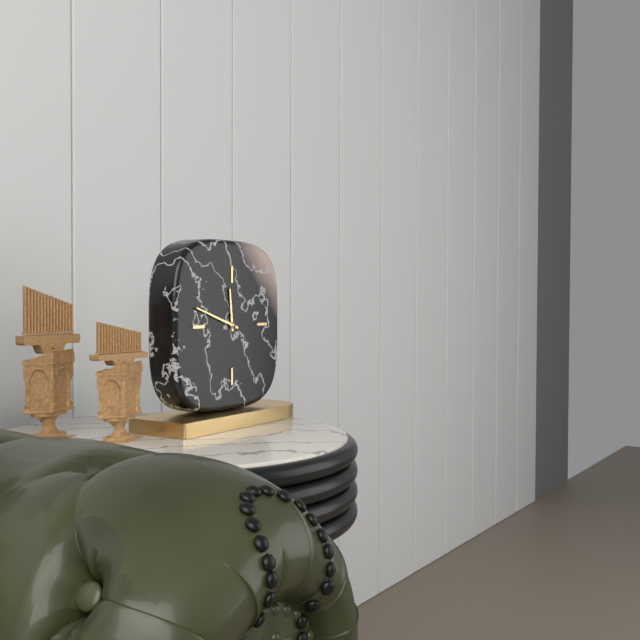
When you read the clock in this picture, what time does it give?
11:48
